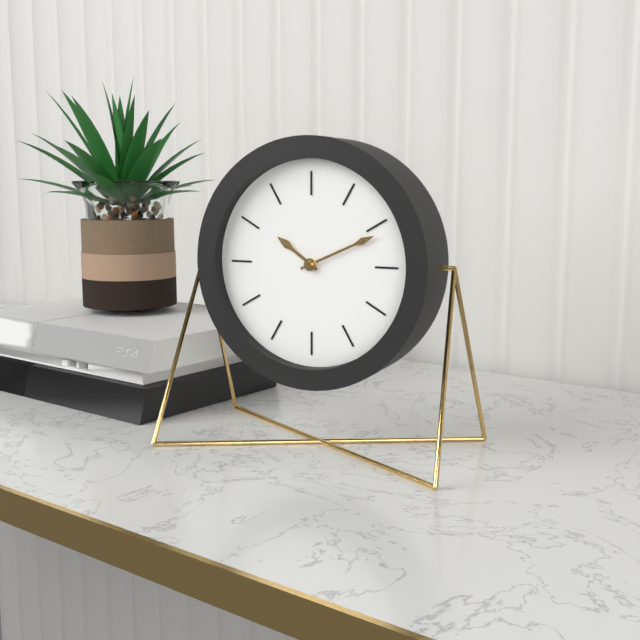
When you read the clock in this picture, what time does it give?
10:11
